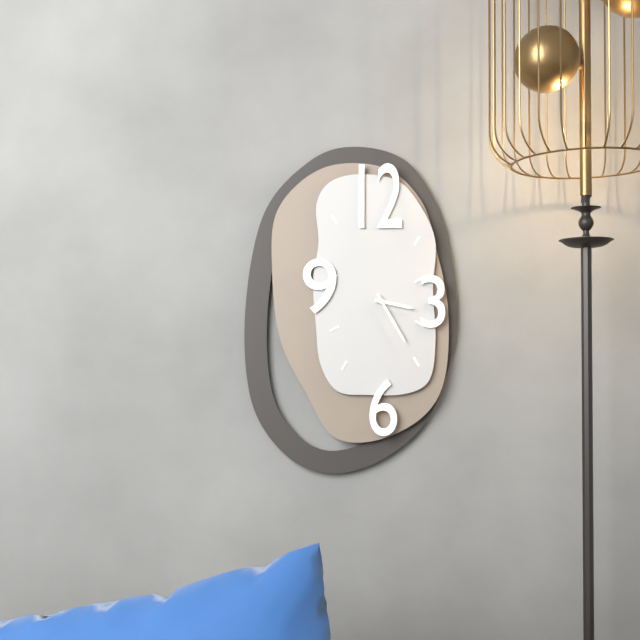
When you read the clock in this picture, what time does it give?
3:25
